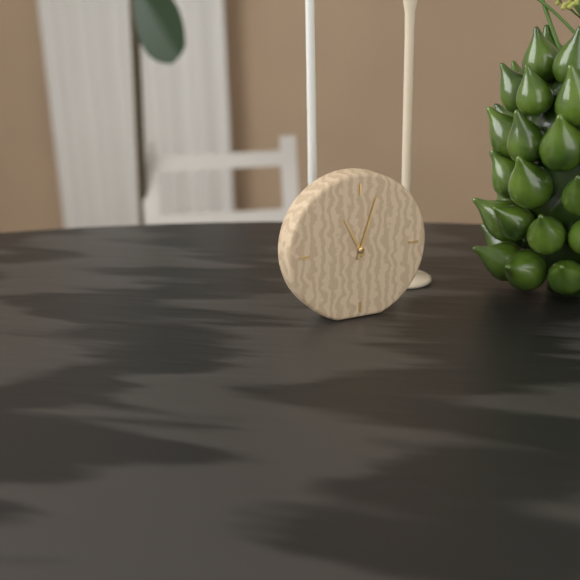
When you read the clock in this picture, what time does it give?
11:03
